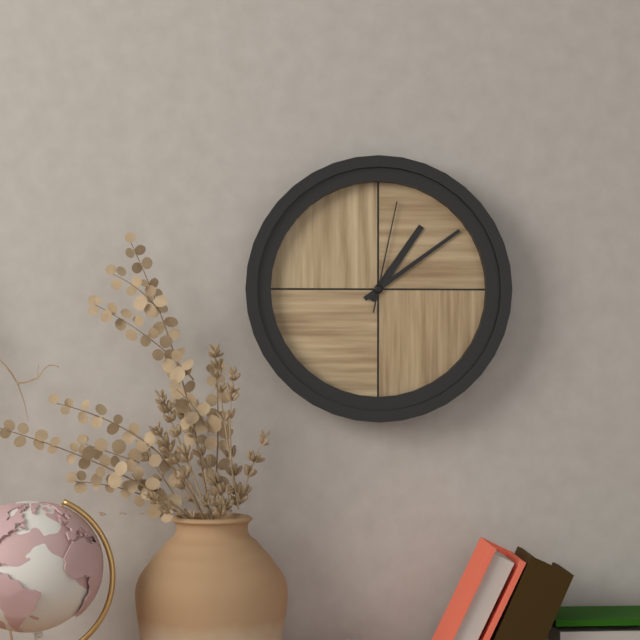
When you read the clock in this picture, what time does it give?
1:09:02
